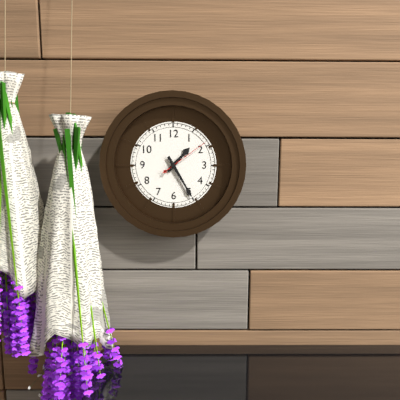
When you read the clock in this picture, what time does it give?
1:25
